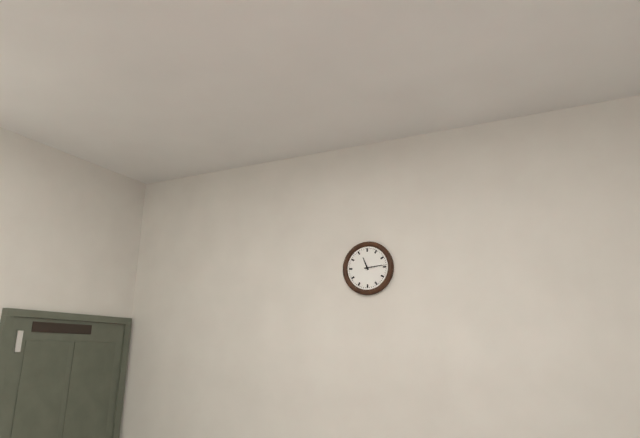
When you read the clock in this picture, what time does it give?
11:14
